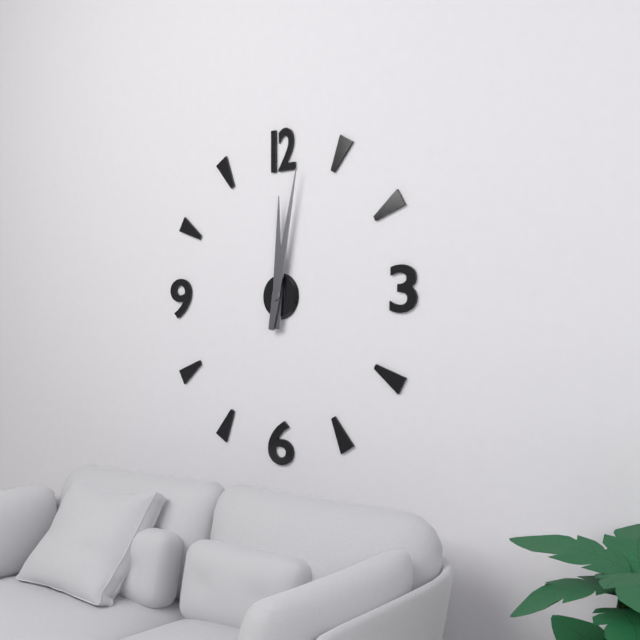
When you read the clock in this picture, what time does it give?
12:02
